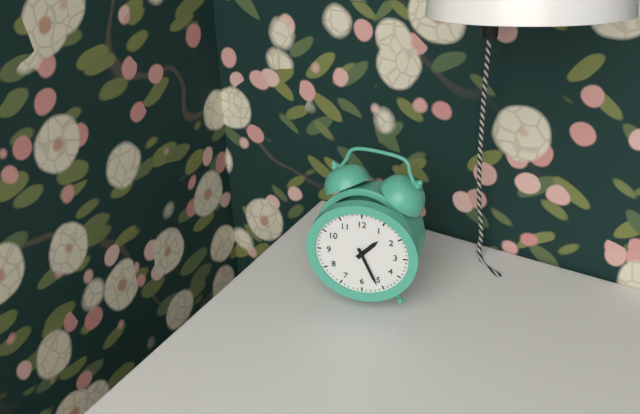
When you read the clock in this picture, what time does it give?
1:26
